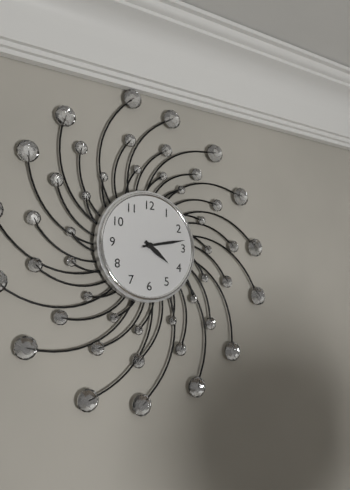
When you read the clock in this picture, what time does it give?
4:13
